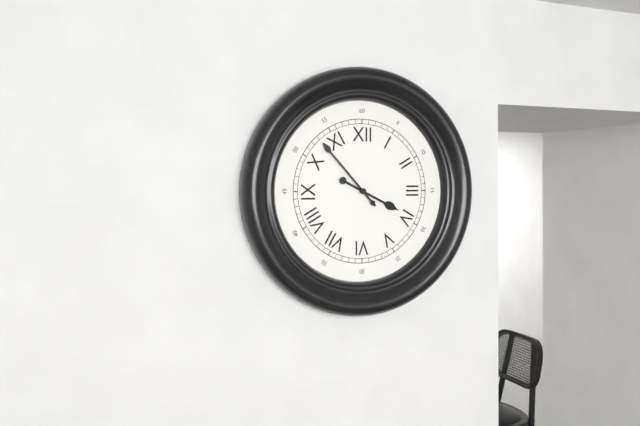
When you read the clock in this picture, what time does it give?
3:53
